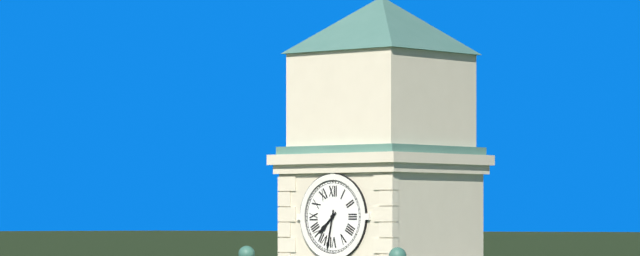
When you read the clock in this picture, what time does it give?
7:32
